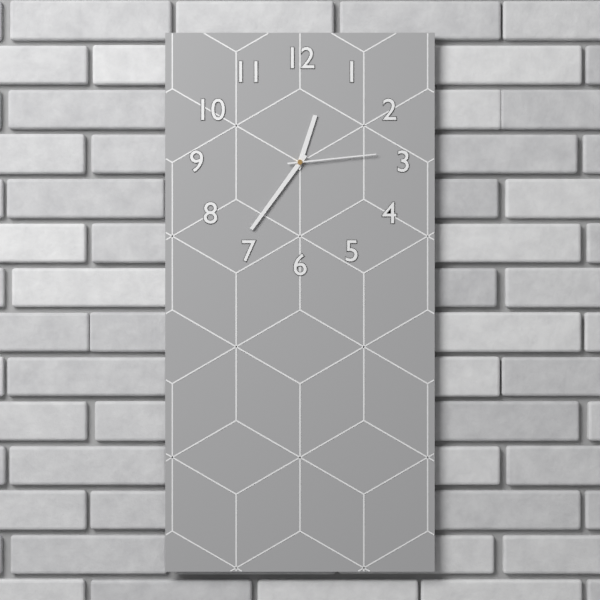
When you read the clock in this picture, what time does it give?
12:36:14
